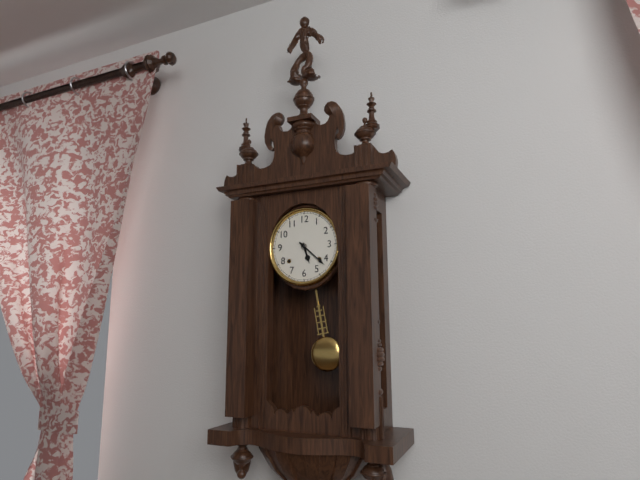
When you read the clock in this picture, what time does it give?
5:22
